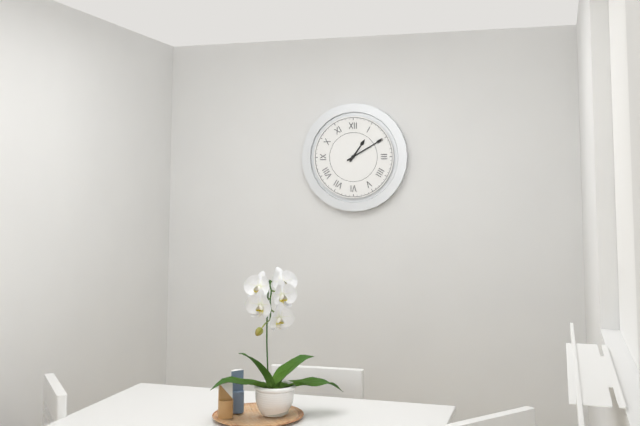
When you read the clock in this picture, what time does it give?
1:10
